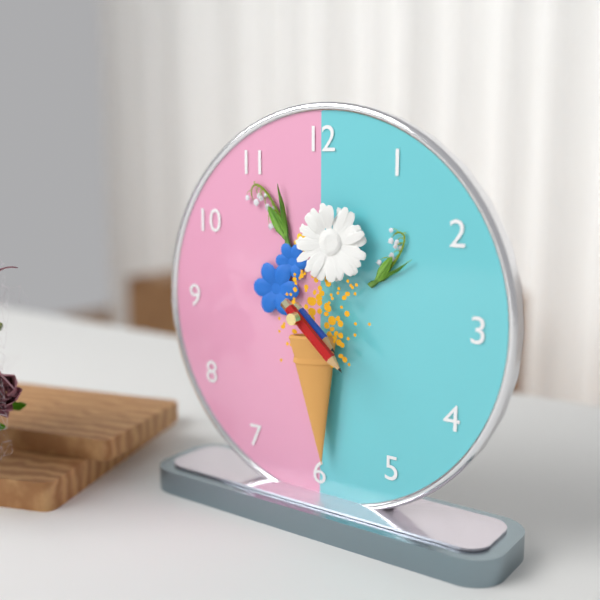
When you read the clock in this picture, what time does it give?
4:22
